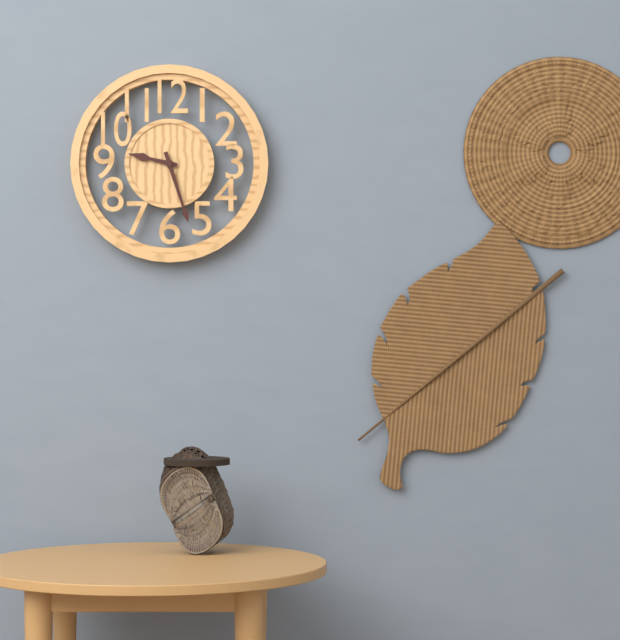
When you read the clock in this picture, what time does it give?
9:27
